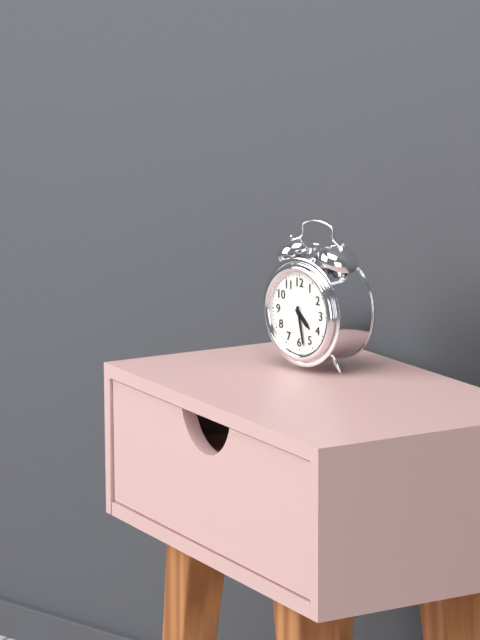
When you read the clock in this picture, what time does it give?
4:28
